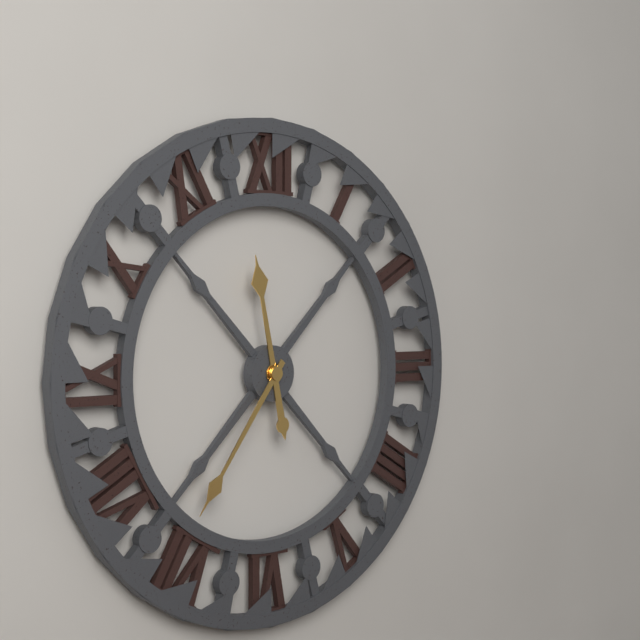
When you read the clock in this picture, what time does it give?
11:36
